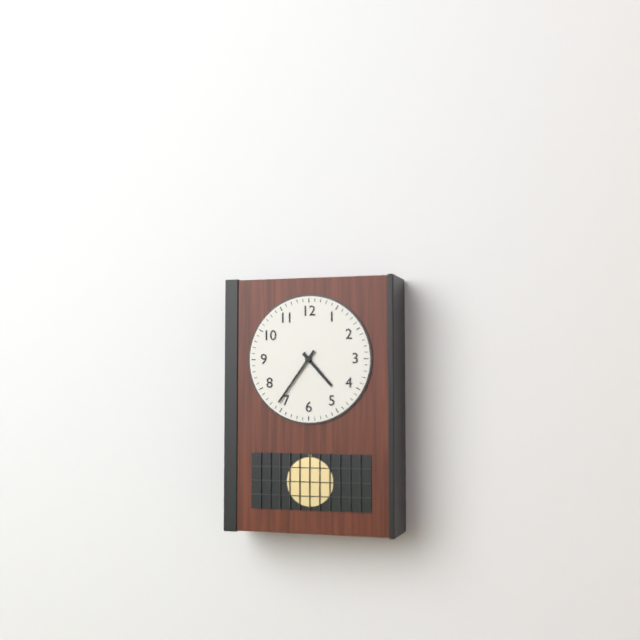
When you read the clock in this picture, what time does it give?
4:36
